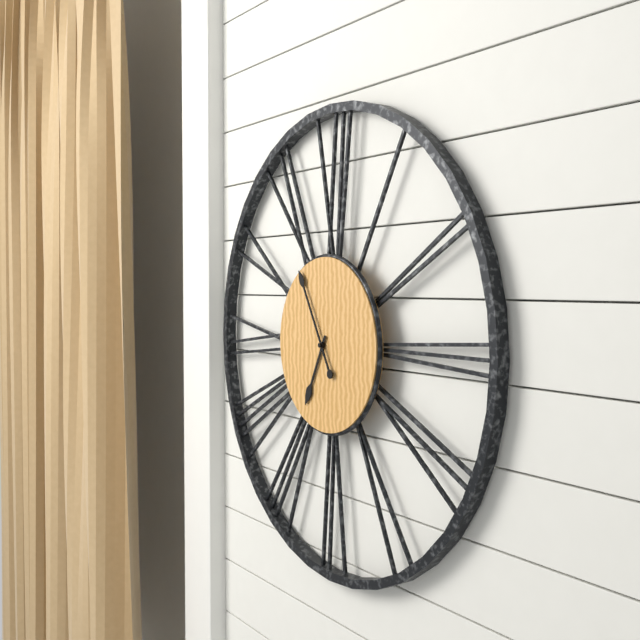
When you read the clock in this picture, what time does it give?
6:55
